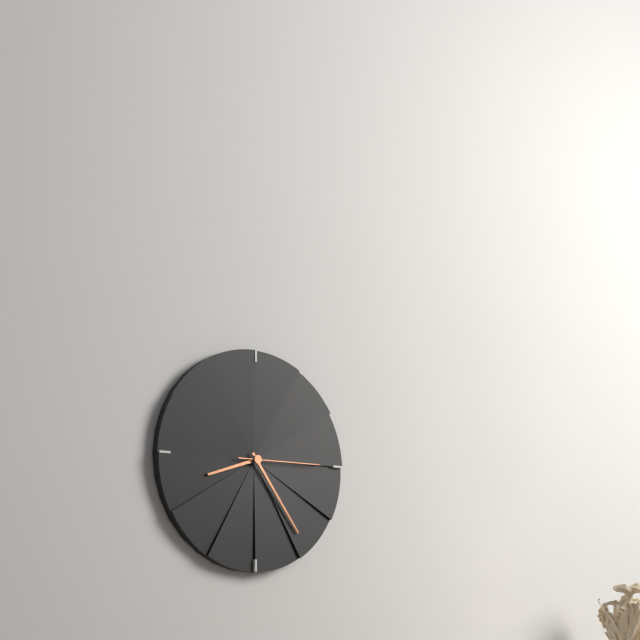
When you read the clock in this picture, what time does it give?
8:24:15
